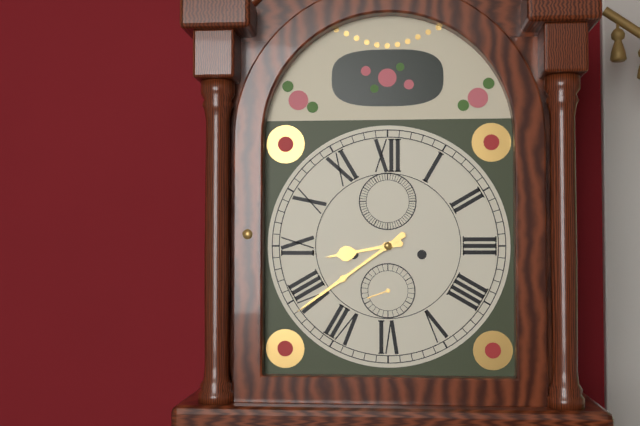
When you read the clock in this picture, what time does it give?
8:39
